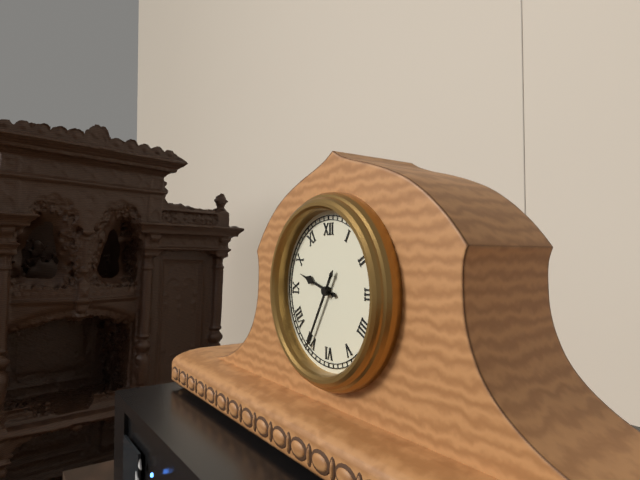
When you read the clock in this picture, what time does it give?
9:35
